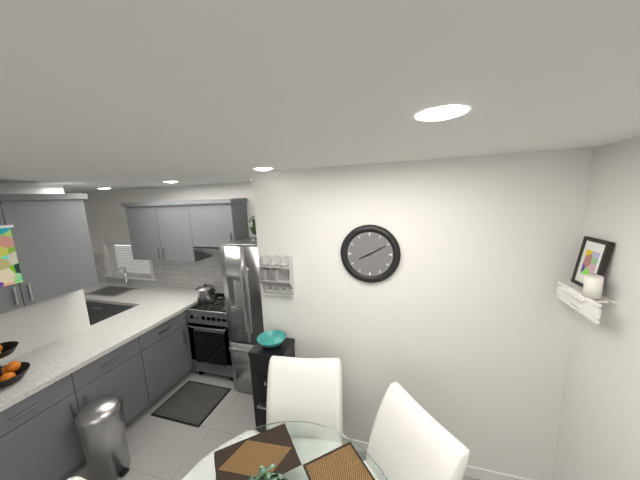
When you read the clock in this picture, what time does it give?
8:10
